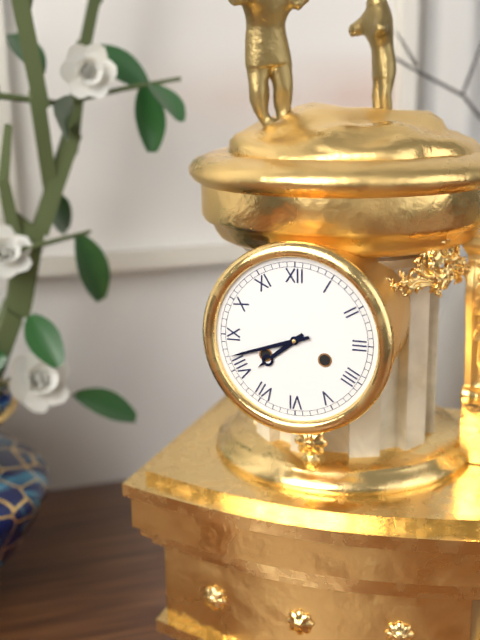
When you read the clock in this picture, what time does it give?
7:42
